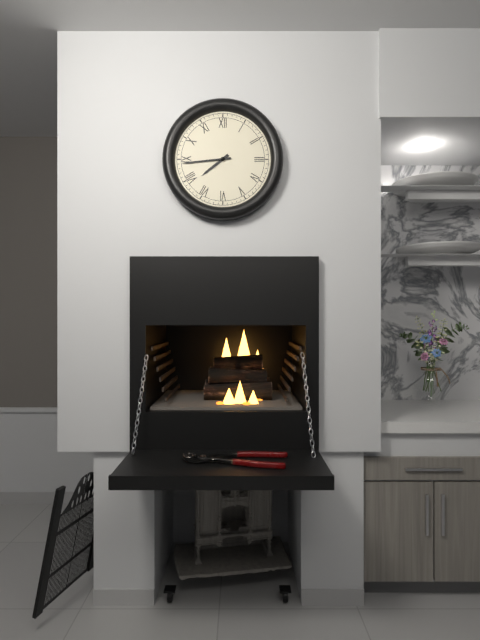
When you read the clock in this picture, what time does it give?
7:44
